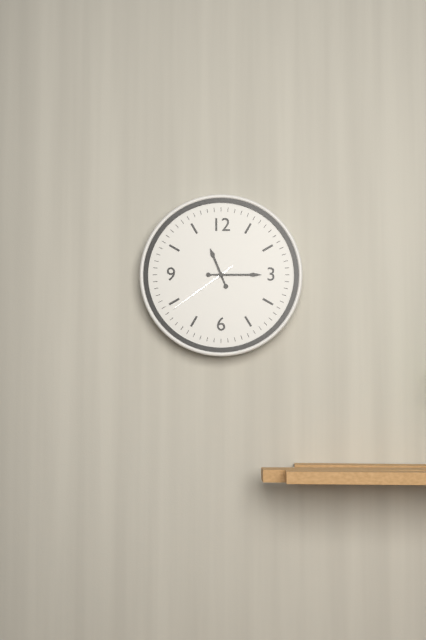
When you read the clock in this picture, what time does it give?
11:15:39
